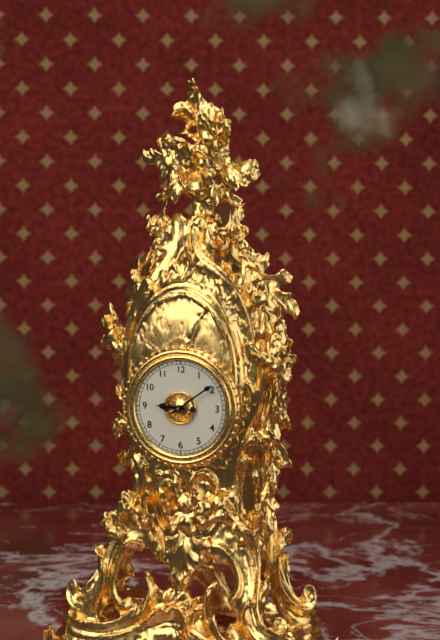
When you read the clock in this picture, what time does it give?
9:09
